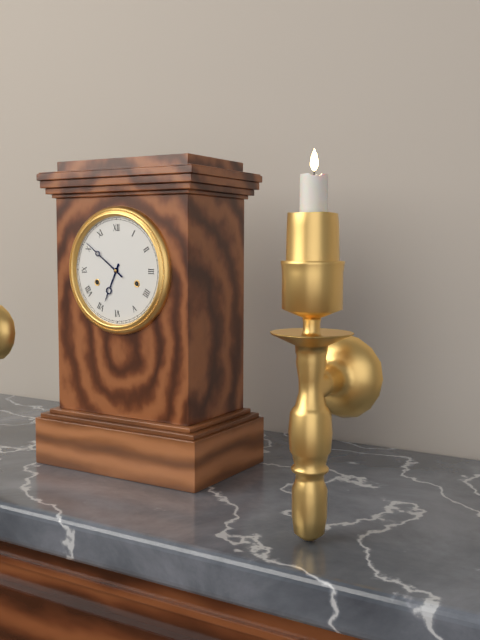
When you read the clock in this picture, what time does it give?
6:51
